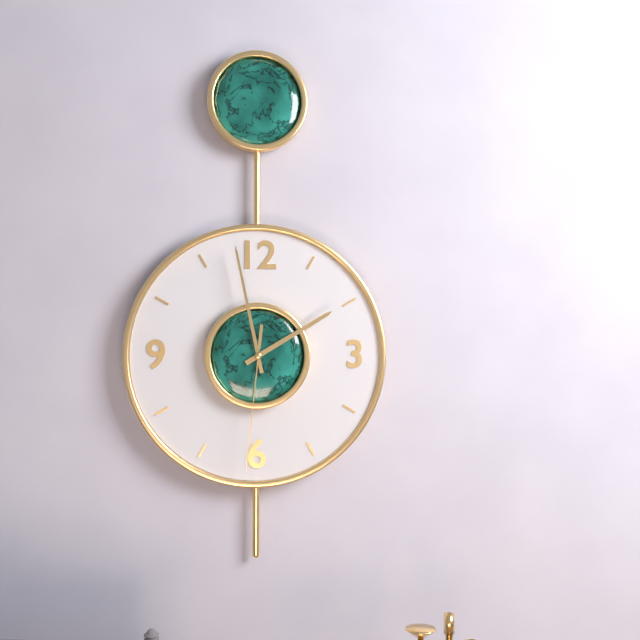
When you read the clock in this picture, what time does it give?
1:58:31
